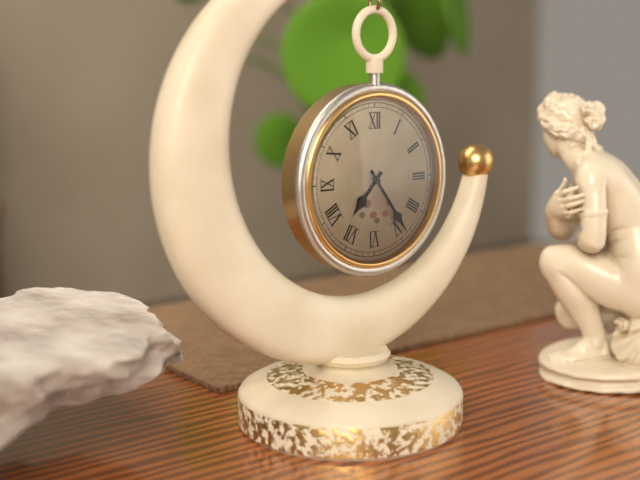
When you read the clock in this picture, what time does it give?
7:24
